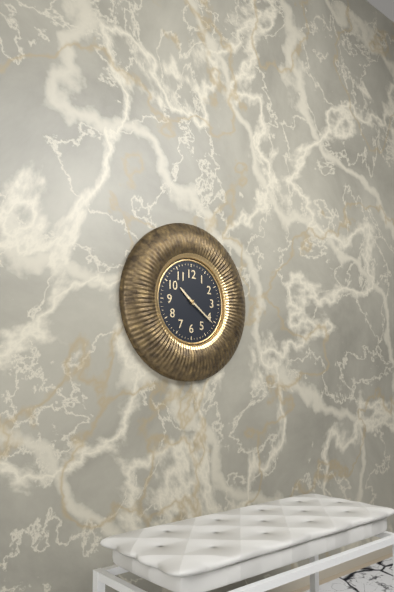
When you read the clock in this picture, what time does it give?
10:21
